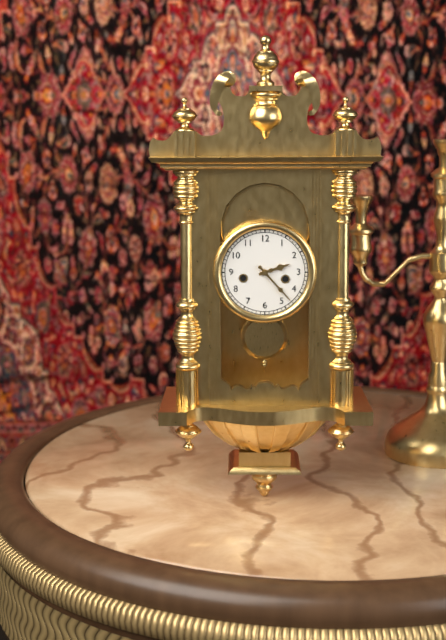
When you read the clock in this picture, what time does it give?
2:23
